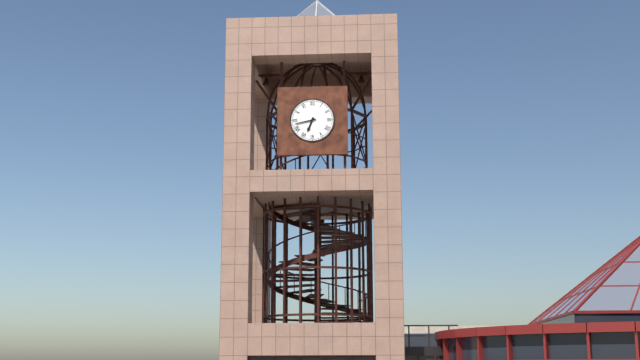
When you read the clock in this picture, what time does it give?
6:43
